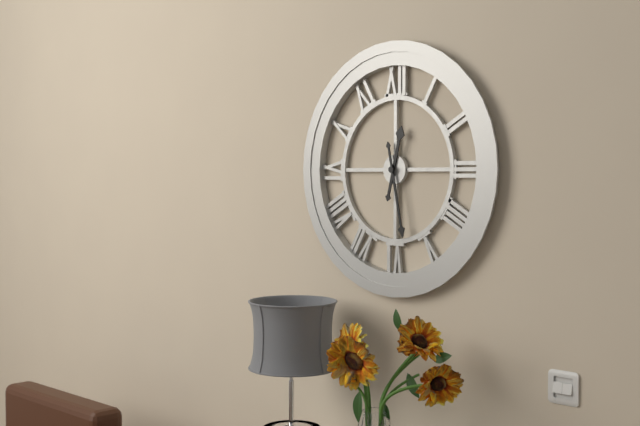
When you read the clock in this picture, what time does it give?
12:28
